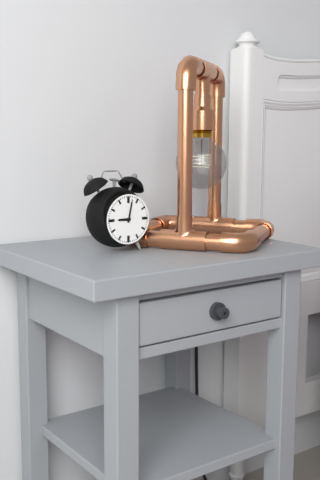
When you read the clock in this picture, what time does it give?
9:02
